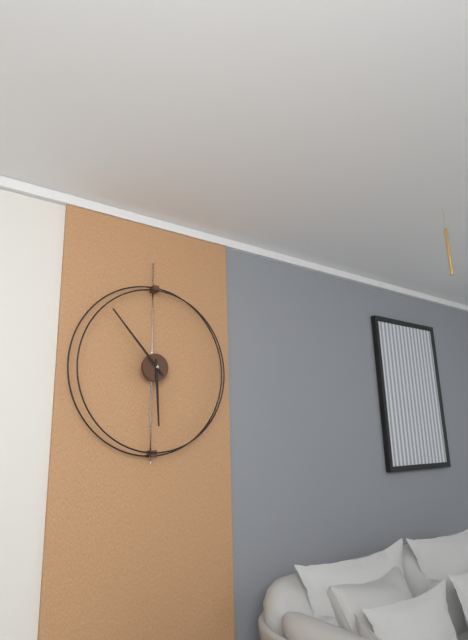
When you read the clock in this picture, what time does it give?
5:53
